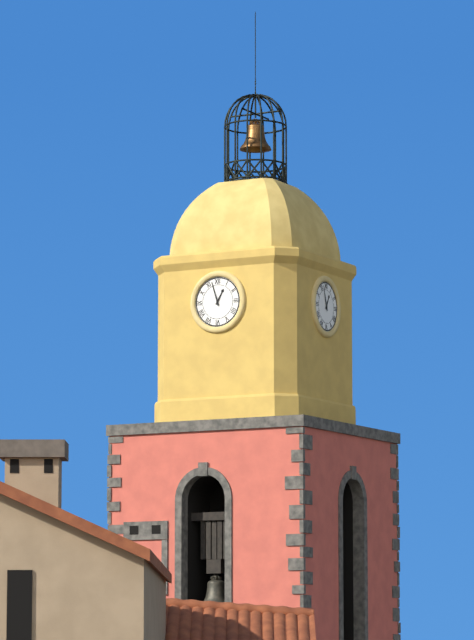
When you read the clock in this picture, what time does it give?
12:57
